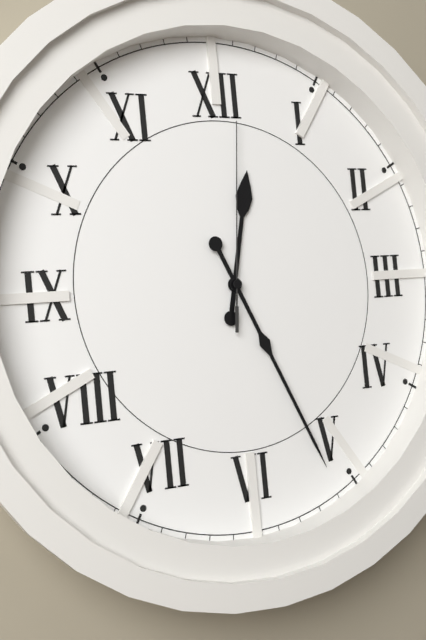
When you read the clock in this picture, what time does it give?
12:26:01
